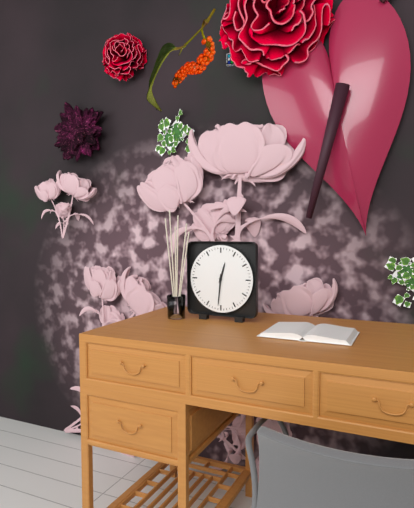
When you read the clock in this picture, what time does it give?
12:31
